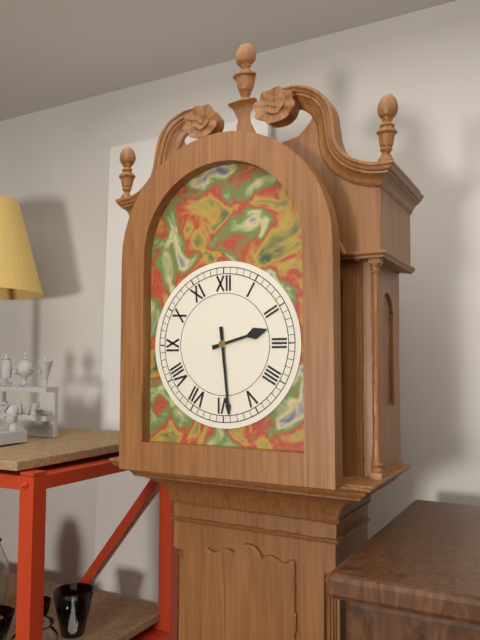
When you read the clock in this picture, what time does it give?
2:29
